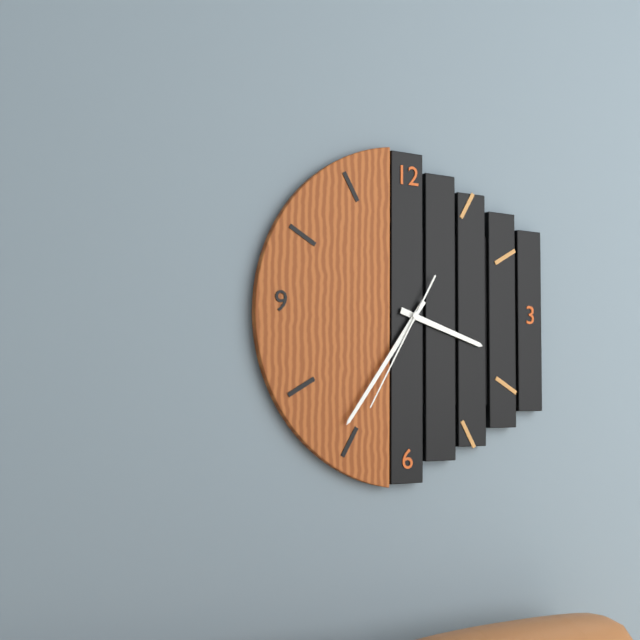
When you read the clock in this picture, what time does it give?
3:36:35
